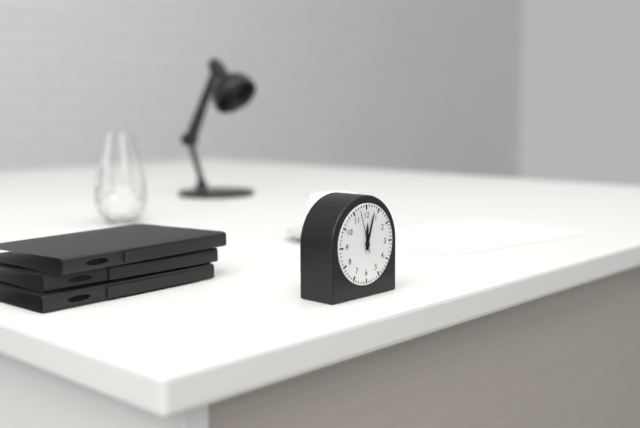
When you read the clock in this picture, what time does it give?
12:03
